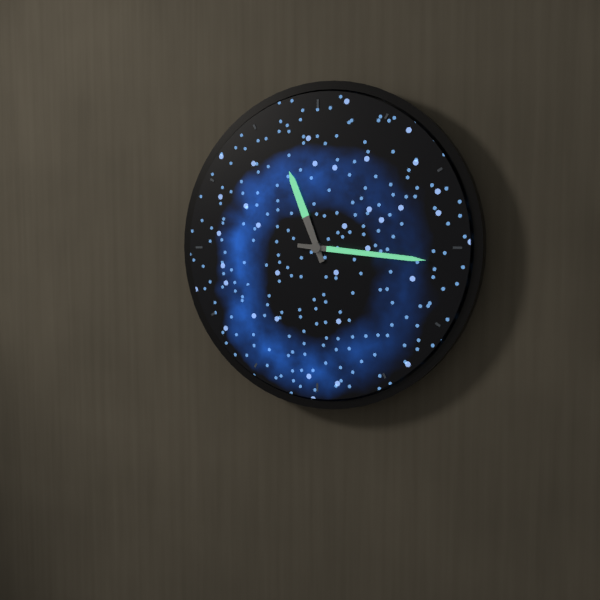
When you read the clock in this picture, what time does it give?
11:16
